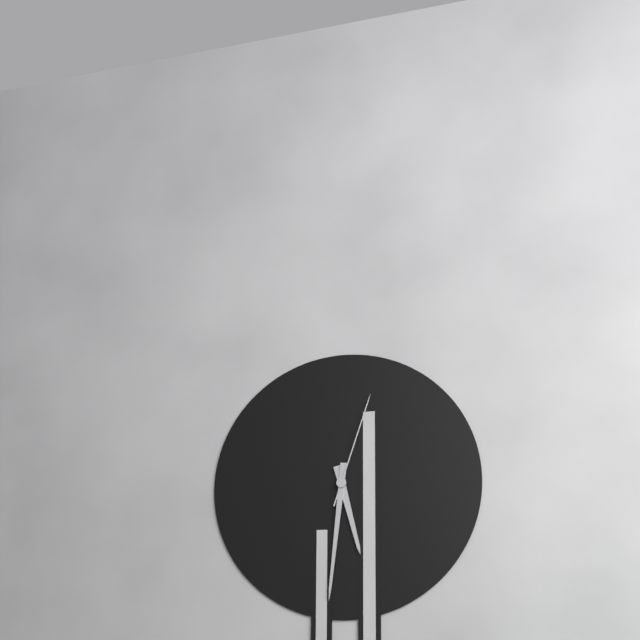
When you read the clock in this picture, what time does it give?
5:31:03
